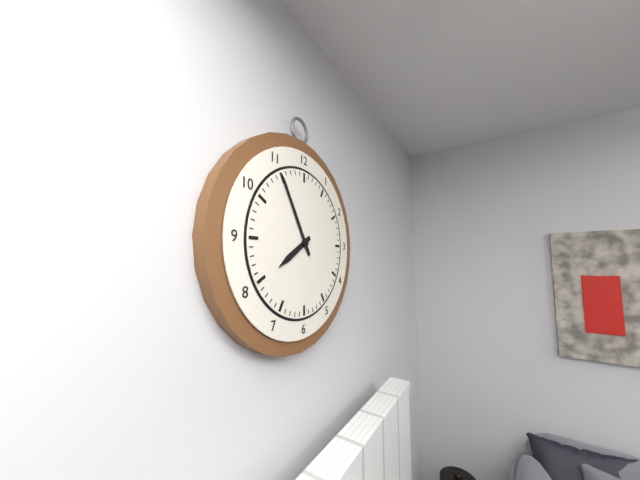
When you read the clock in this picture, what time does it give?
7:55
